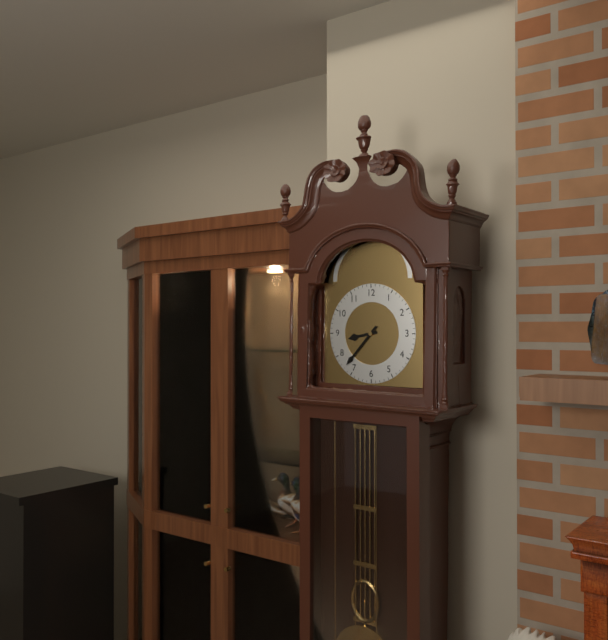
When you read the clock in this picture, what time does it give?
8:37
